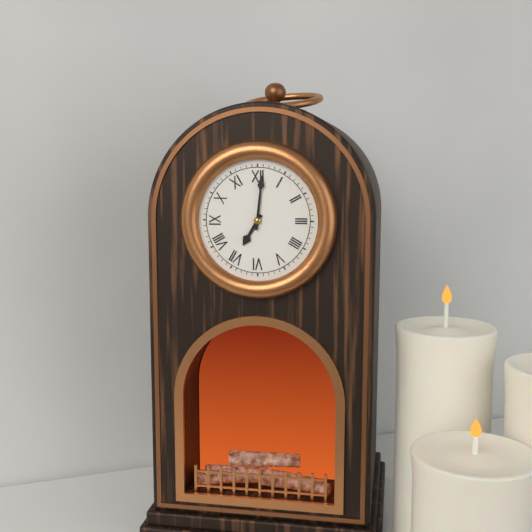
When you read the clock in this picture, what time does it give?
7:01
